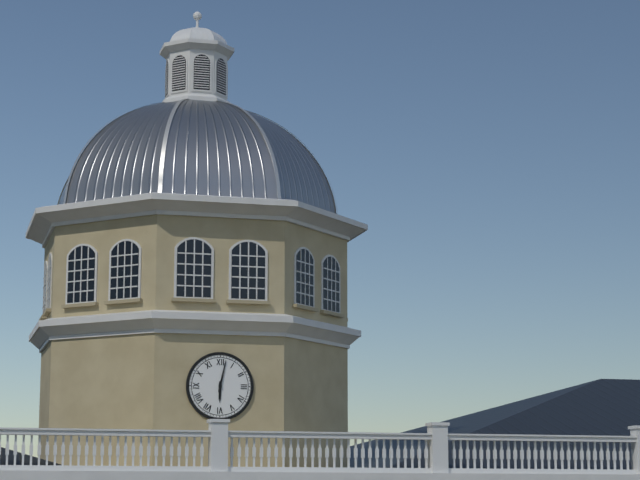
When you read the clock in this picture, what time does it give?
6:02
